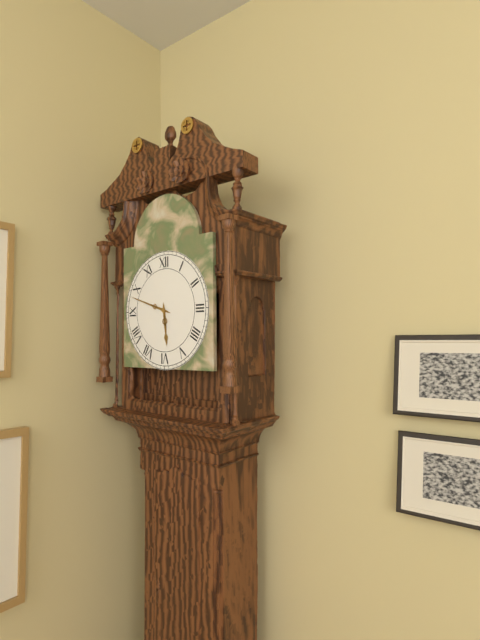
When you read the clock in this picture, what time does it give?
5:48
